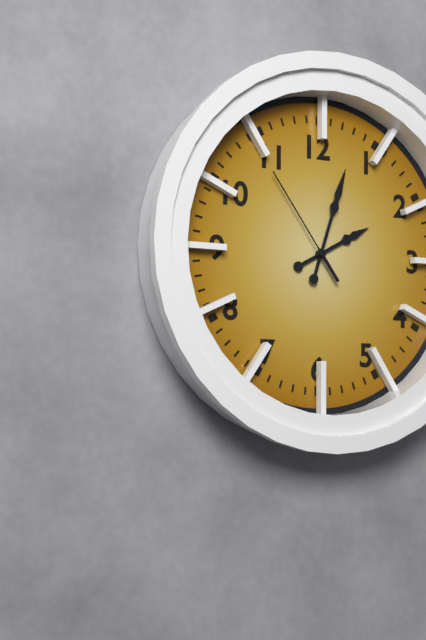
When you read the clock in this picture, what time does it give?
2:03:54
